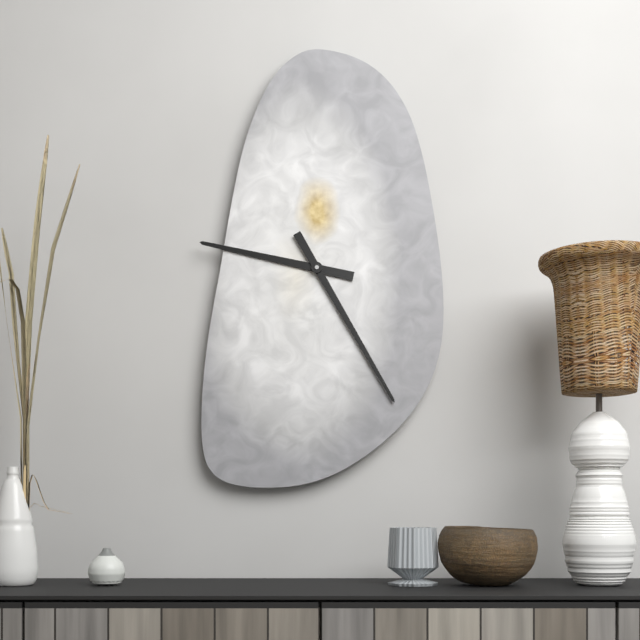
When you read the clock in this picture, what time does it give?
9:25
